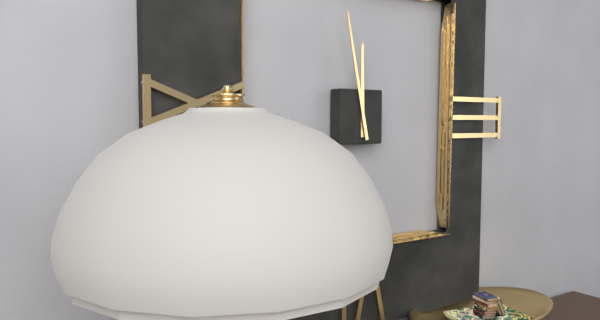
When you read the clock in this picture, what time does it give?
11:58
